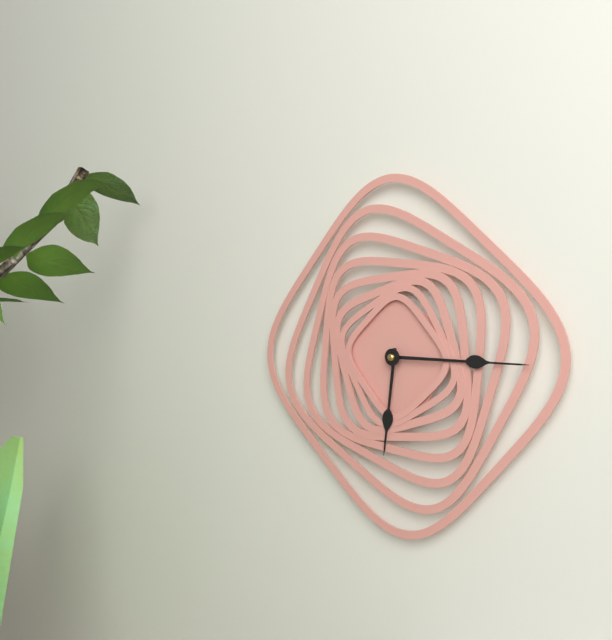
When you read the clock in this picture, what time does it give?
6:15
